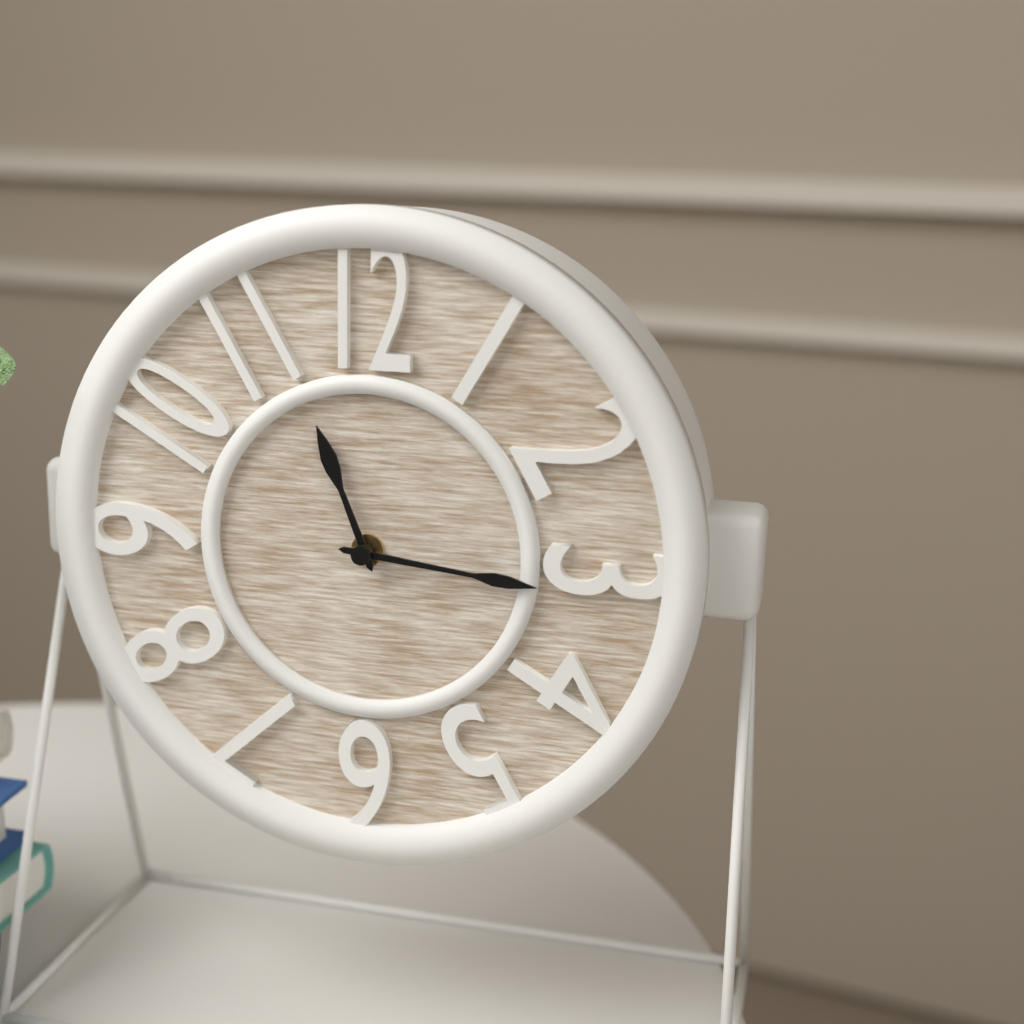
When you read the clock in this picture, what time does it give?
11:16
